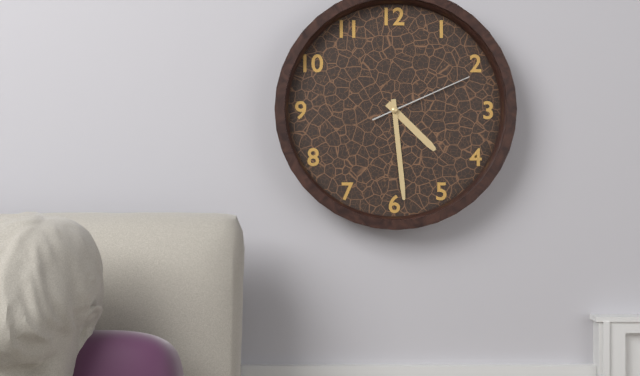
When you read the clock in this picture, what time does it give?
4:29:11
